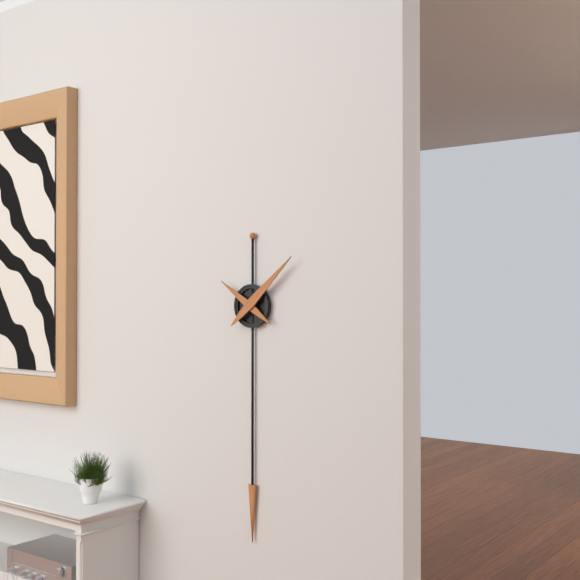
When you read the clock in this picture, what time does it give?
10:08
